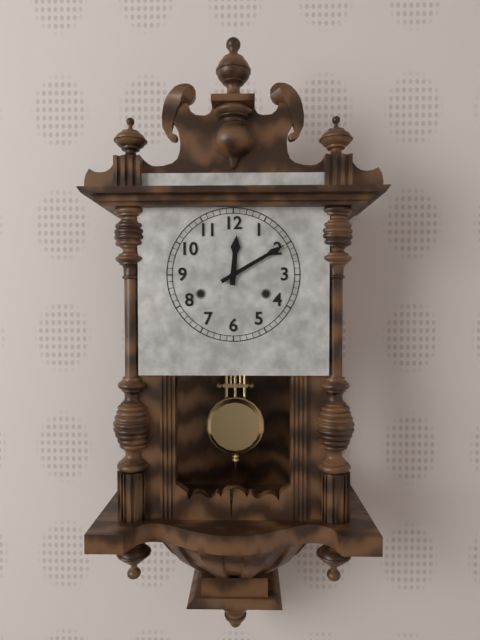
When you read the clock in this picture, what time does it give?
12:10
